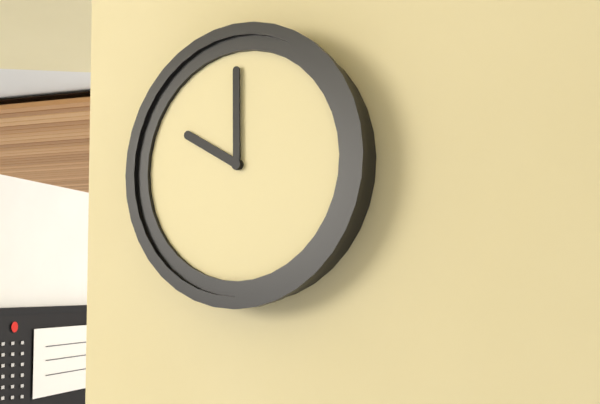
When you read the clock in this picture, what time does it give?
10:00
